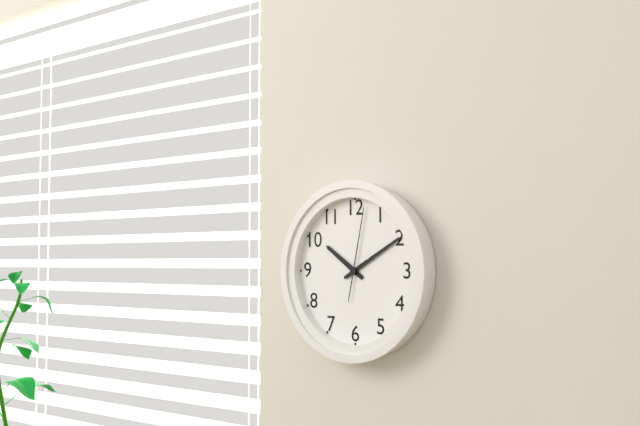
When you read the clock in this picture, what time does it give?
10:10:02
